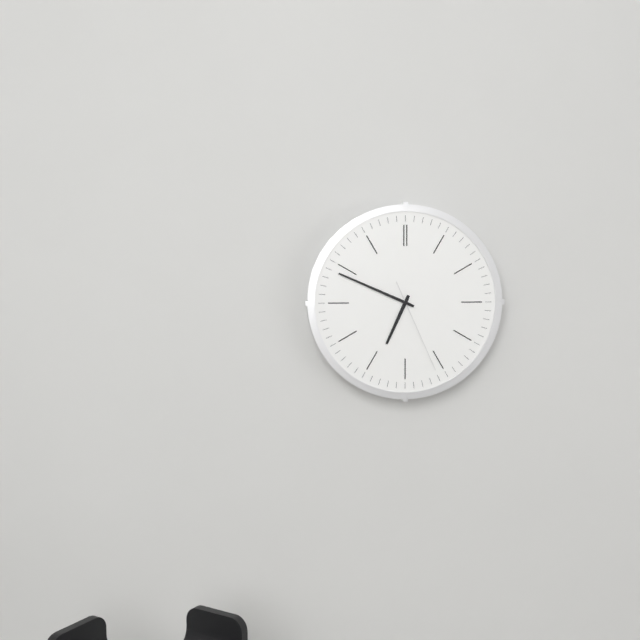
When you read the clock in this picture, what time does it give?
6:49:26
